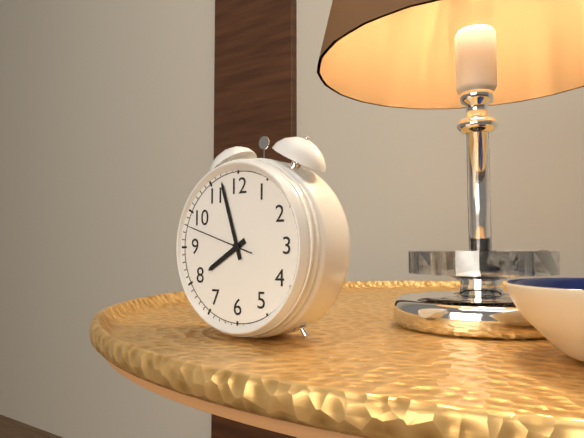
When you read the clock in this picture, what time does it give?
7:57:48
